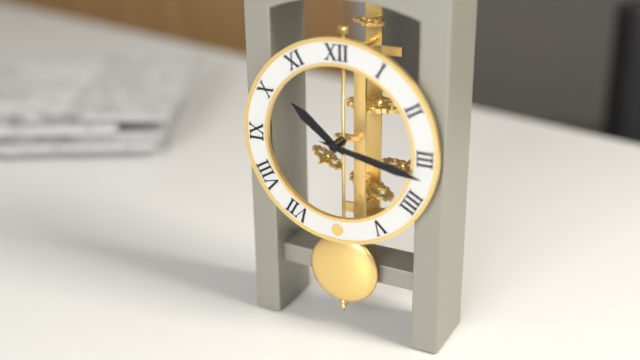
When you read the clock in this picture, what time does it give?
10:17
